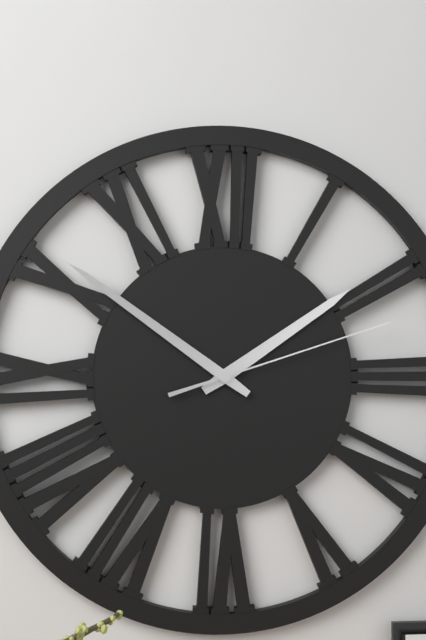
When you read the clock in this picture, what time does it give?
1:51:12
